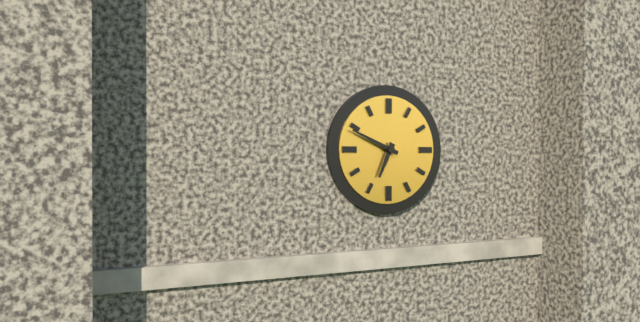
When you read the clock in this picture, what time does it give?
6:49
